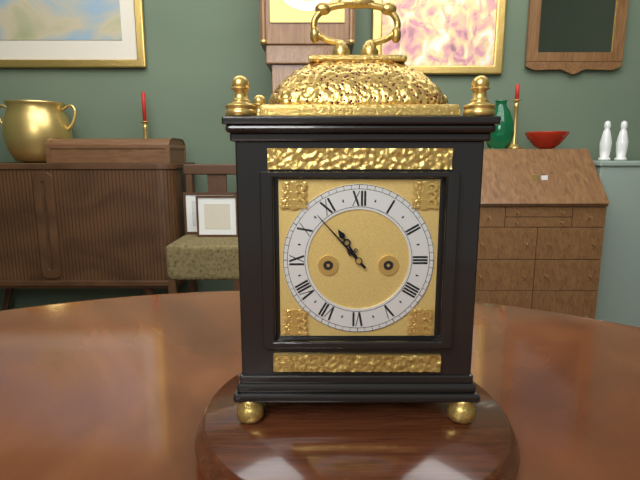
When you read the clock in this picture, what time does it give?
10:53
